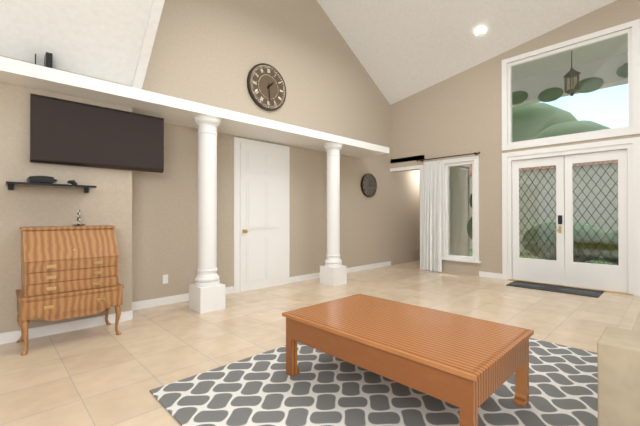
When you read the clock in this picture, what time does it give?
1:29
